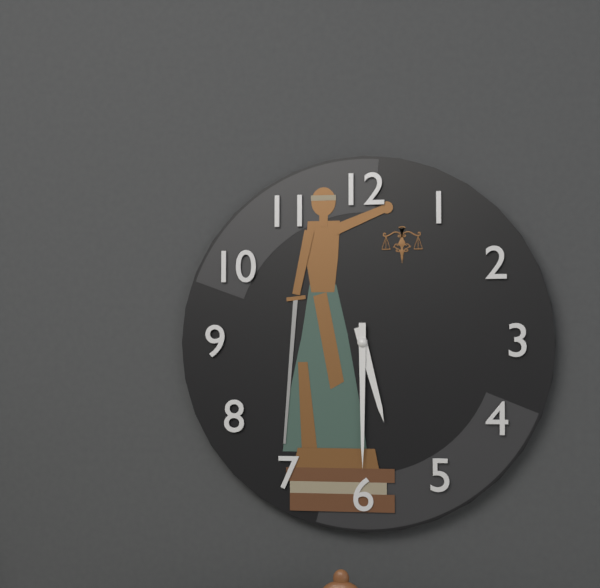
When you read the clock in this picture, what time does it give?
5:30
